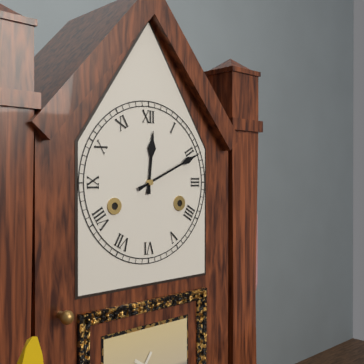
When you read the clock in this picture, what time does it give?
12:11
